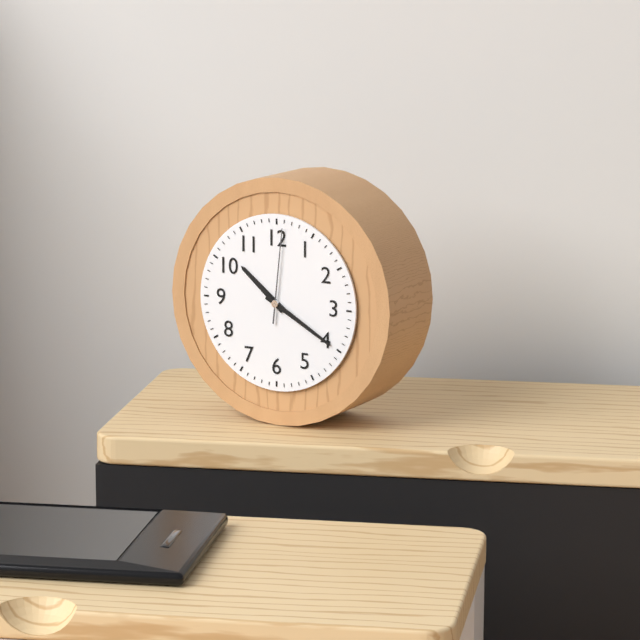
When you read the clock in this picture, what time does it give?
10:20:01
